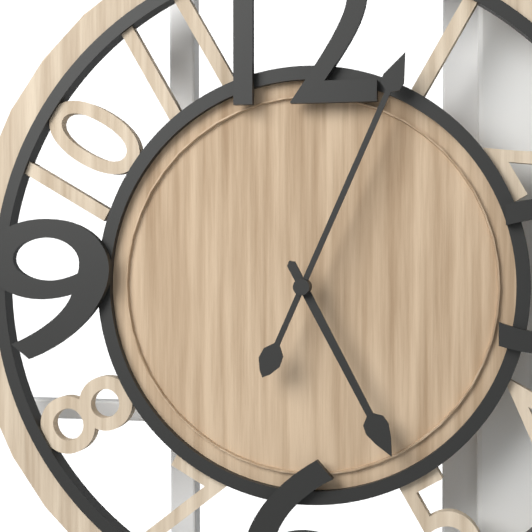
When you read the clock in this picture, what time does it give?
5:04
